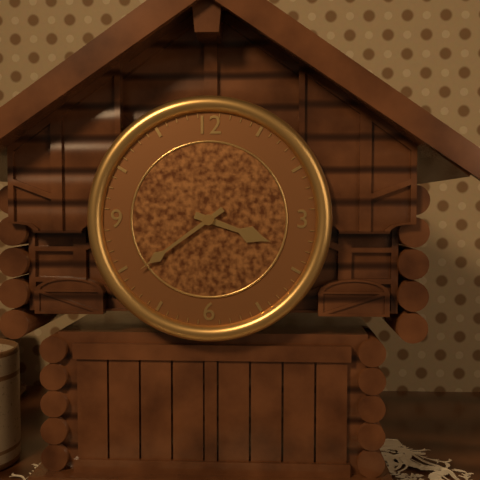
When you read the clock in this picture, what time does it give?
3:39
